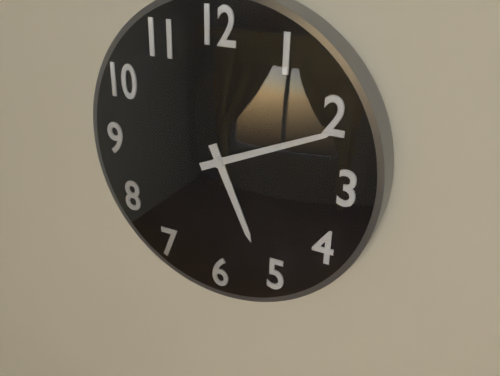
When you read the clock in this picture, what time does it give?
5:11
